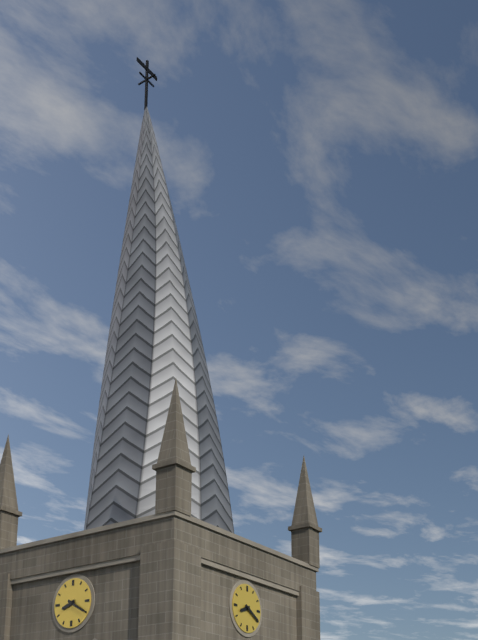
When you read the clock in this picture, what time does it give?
8:20
